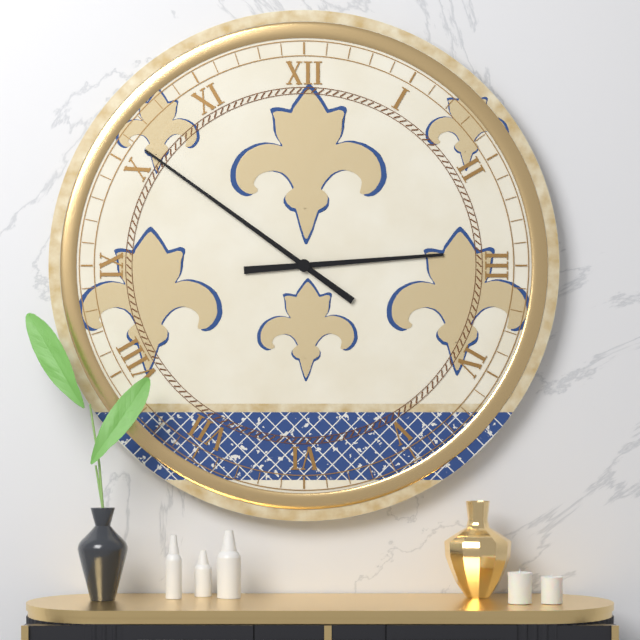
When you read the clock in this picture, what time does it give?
2:51
